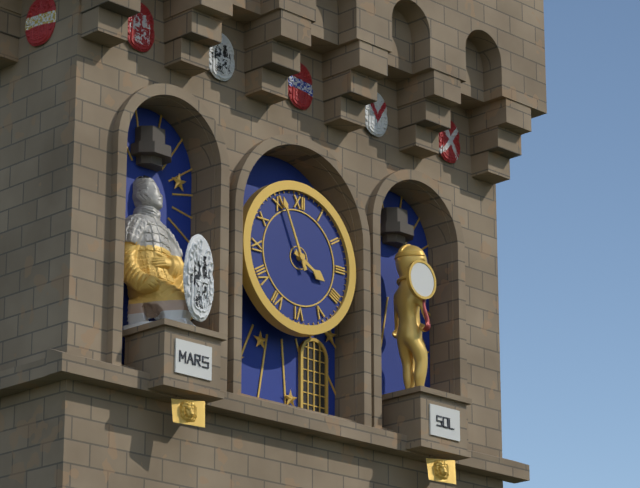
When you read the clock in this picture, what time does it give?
3:56
